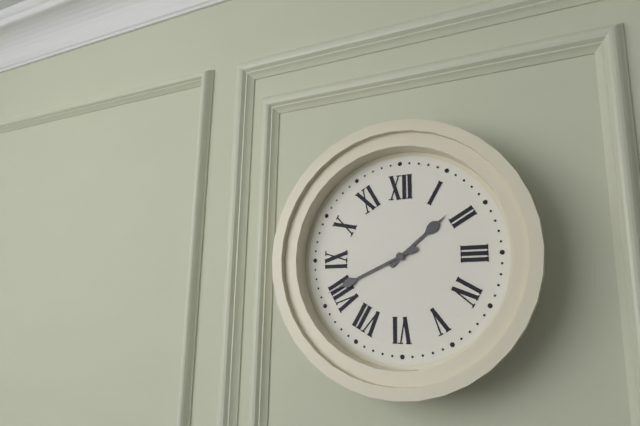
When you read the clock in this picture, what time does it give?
1:41
